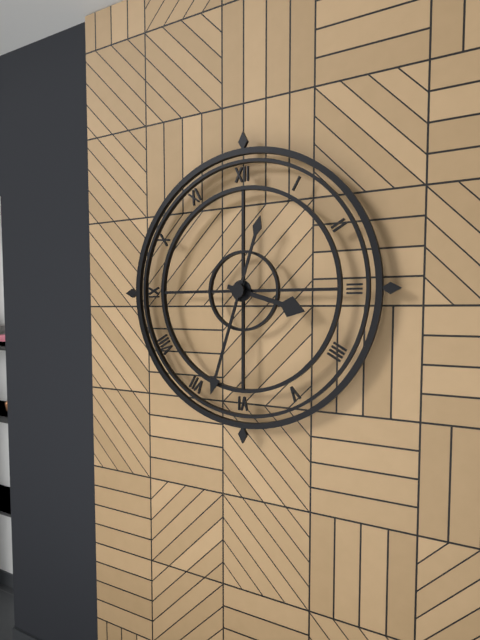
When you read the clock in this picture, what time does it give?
3:33
